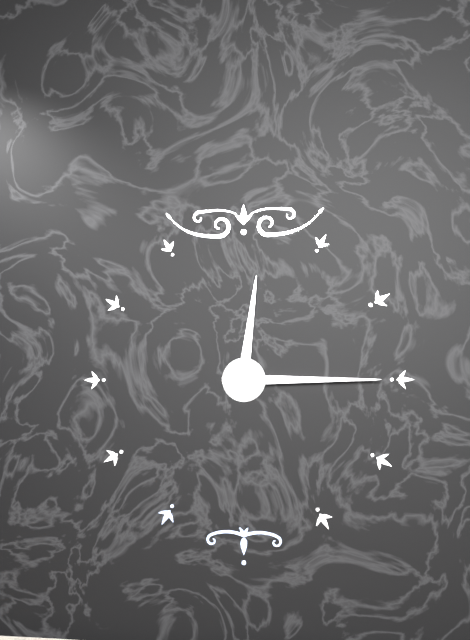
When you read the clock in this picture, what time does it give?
12:15
